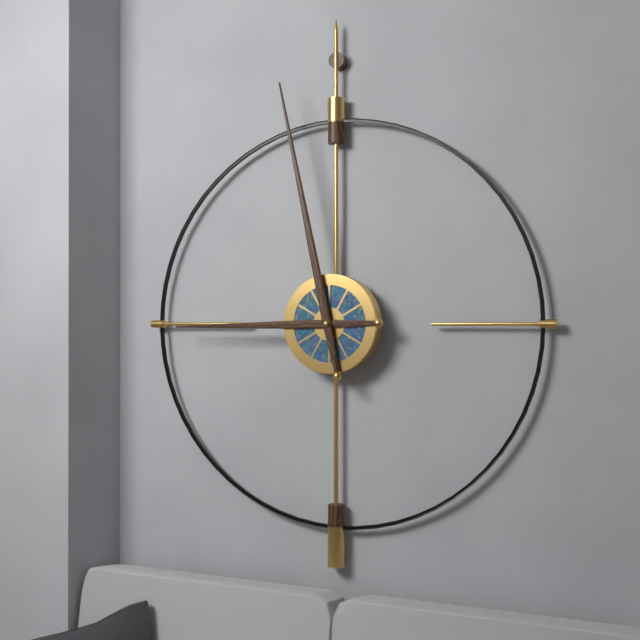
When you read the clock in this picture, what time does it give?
8:58
